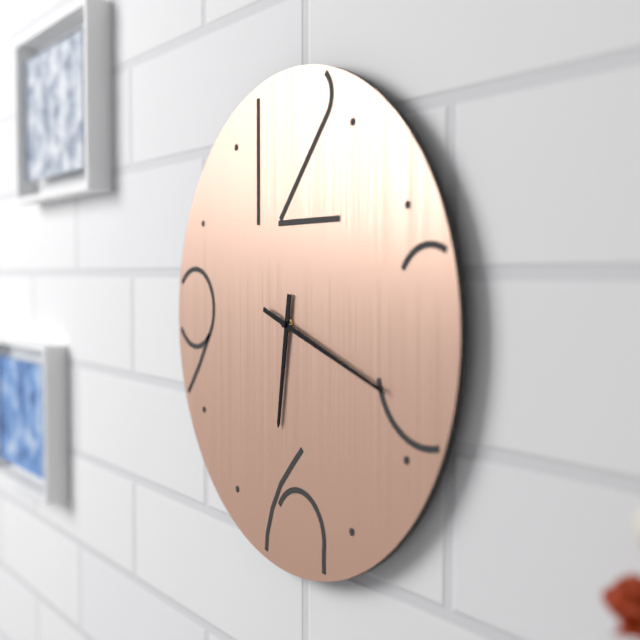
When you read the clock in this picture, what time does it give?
6:18
